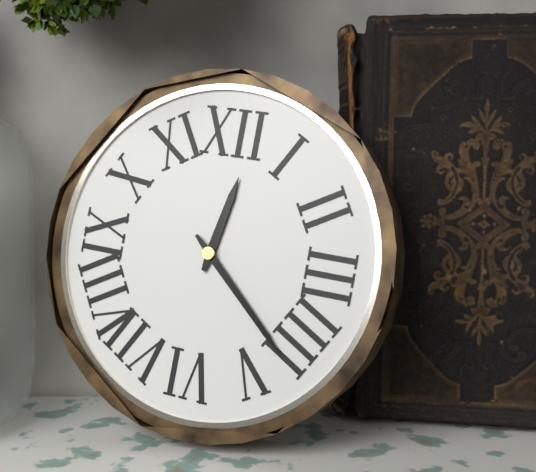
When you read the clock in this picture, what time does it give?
12:22
